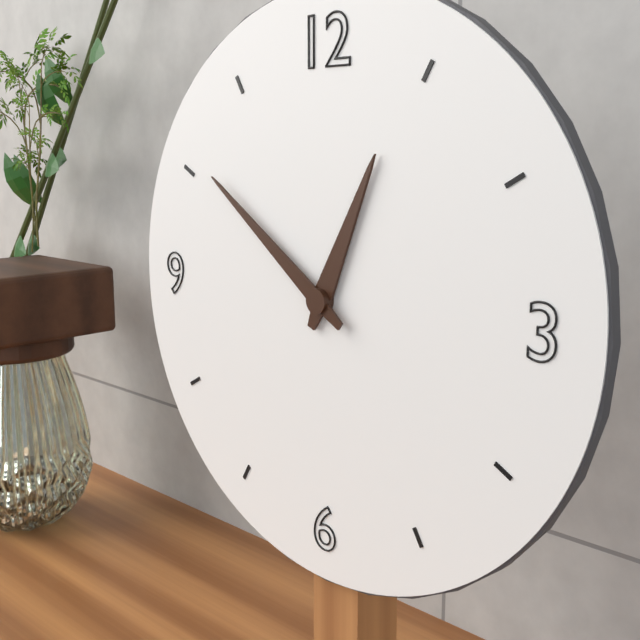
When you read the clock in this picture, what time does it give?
12:51
